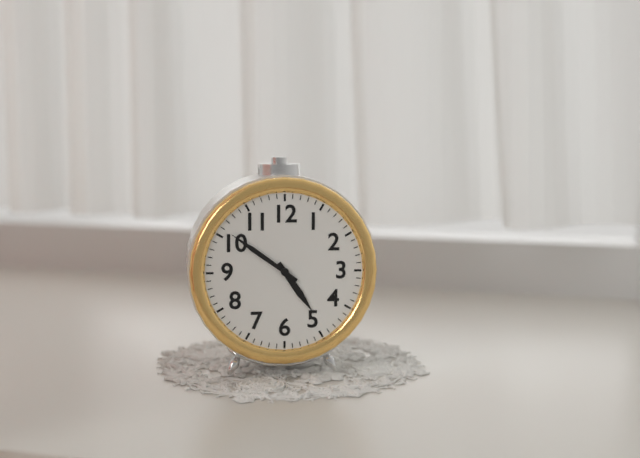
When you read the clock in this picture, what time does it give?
4:51
